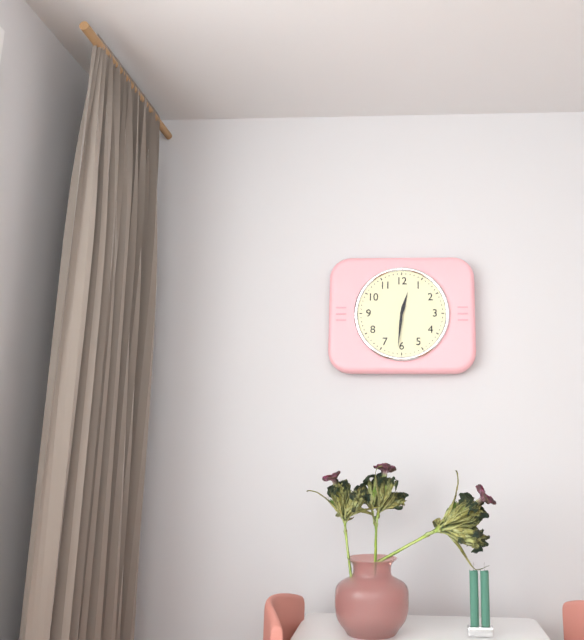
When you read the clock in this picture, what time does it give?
12:31
